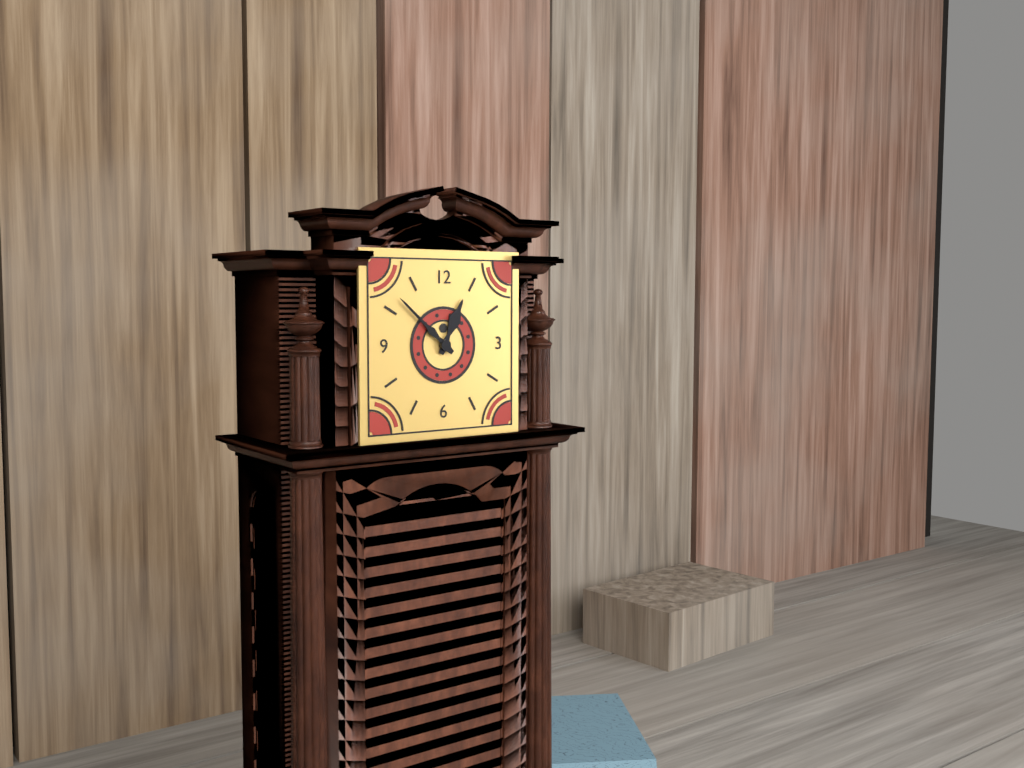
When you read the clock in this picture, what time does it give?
12:52
